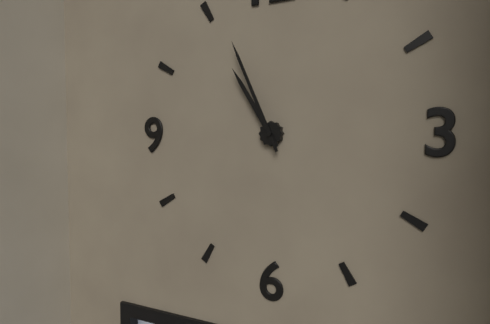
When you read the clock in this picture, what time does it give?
10:56
